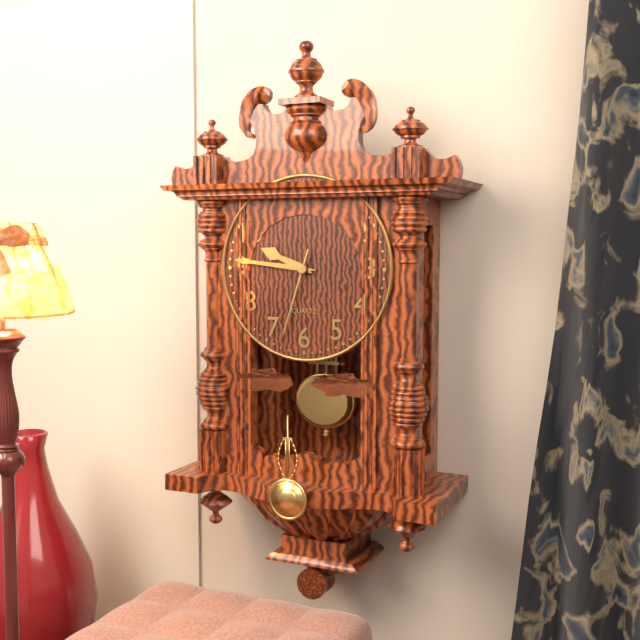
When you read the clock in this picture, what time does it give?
9:46:33
